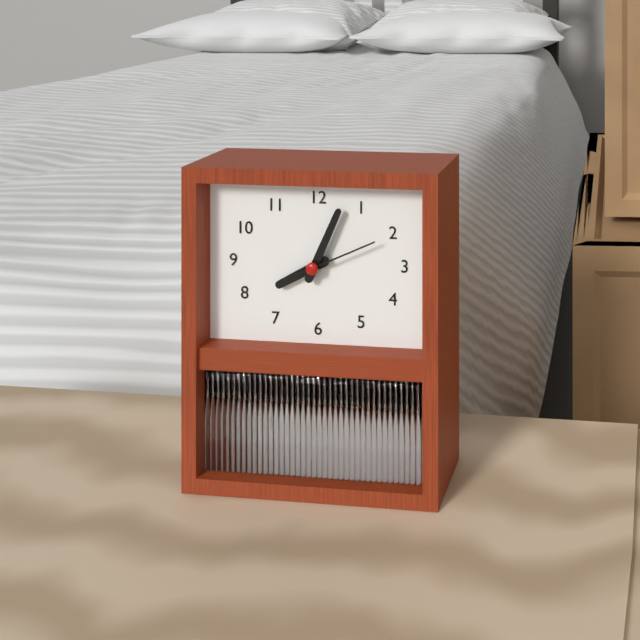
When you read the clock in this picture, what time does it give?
8:04:11
